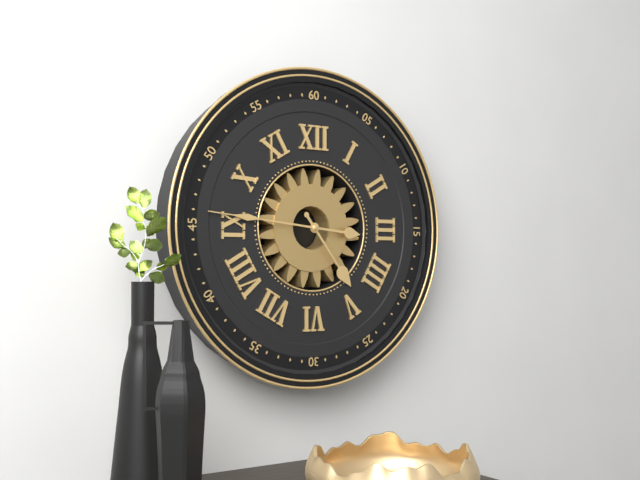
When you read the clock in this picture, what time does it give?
4:46
